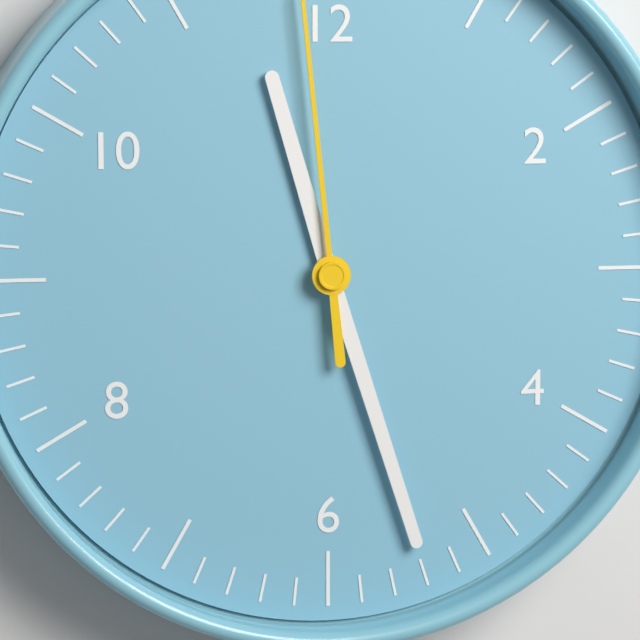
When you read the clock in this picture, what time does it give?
11:27
